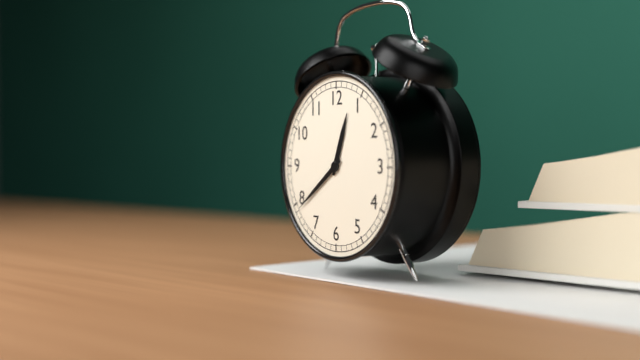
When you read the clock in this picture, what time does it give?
12:39
